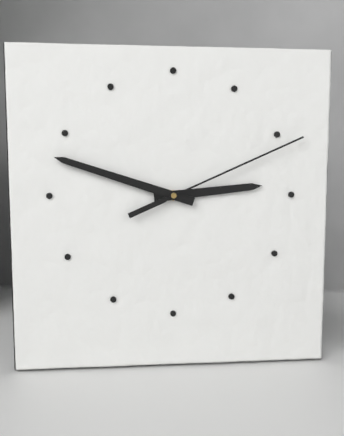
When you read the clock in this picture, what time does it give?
2:48:11
